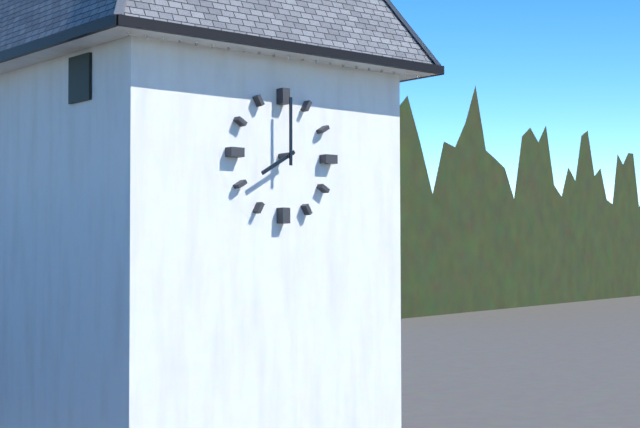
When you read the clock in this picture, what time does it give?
8:00
